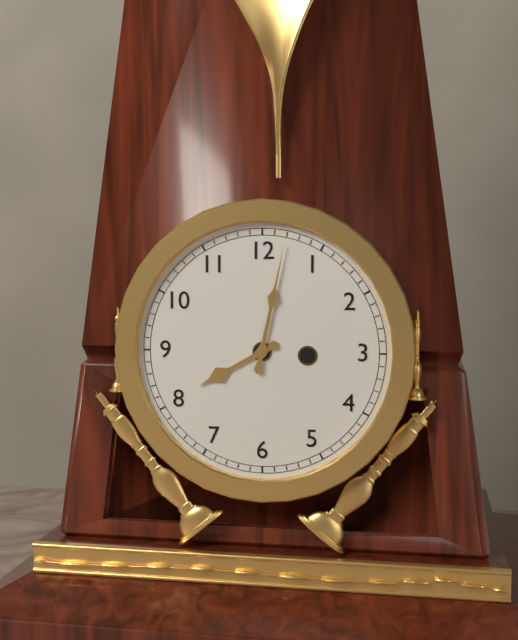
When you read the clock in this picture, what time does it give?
8:02
